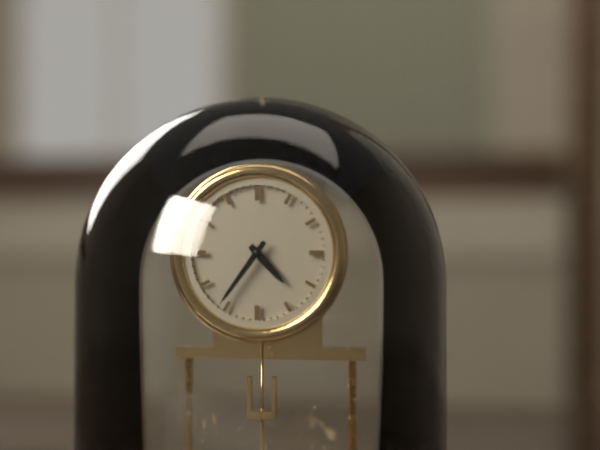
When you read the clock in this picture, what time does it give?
4:36
